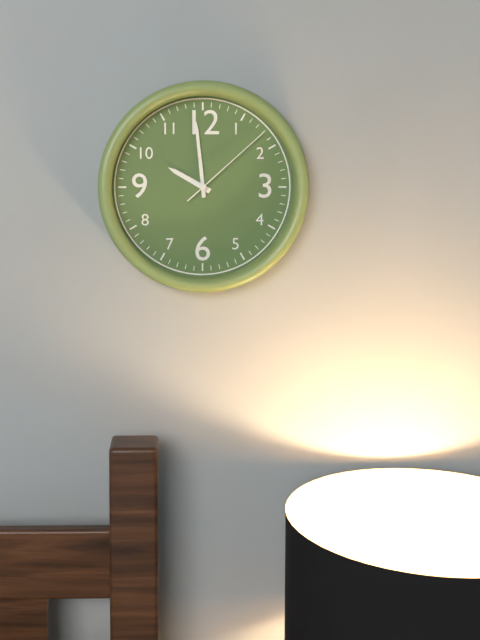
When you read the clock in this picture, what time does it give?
9:59:08
